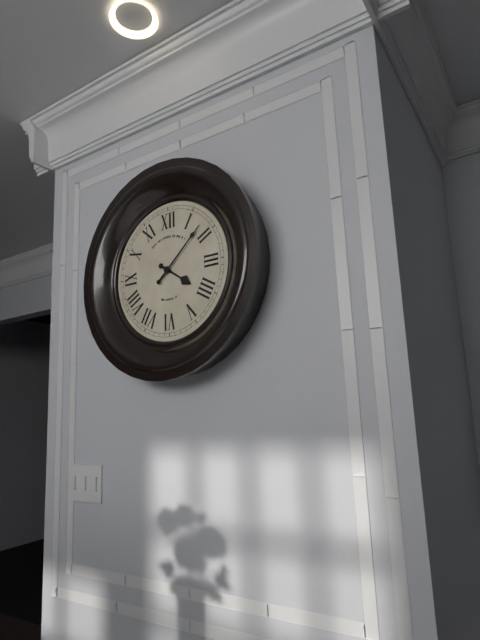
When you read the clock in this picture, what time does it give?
4:08
